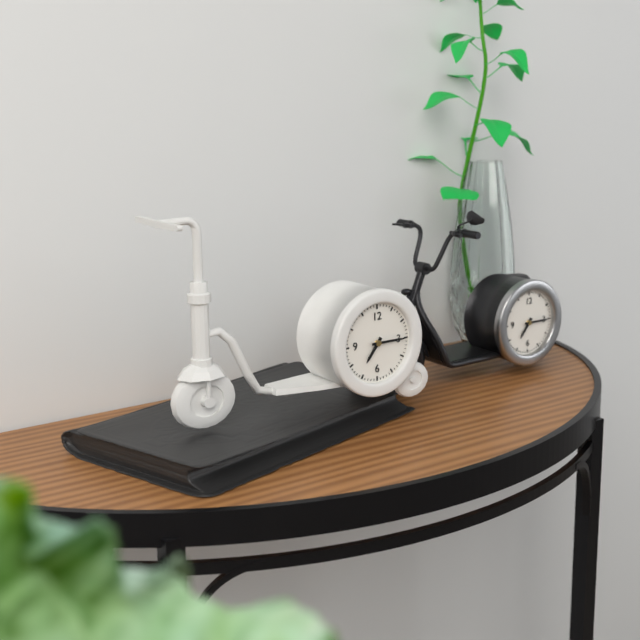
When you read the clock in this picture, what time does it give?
7:15
